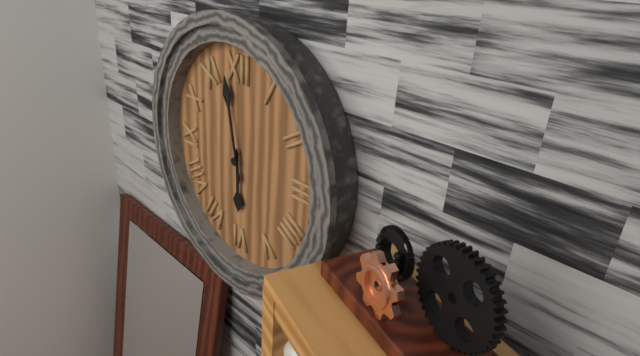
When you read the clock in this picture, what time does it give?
5:58
